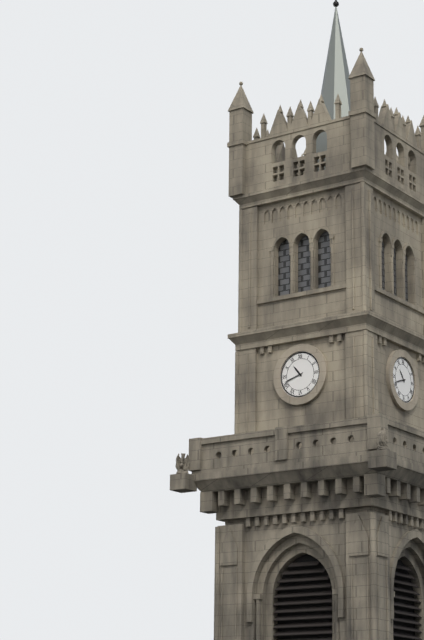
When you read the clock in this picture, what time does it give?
10:42
